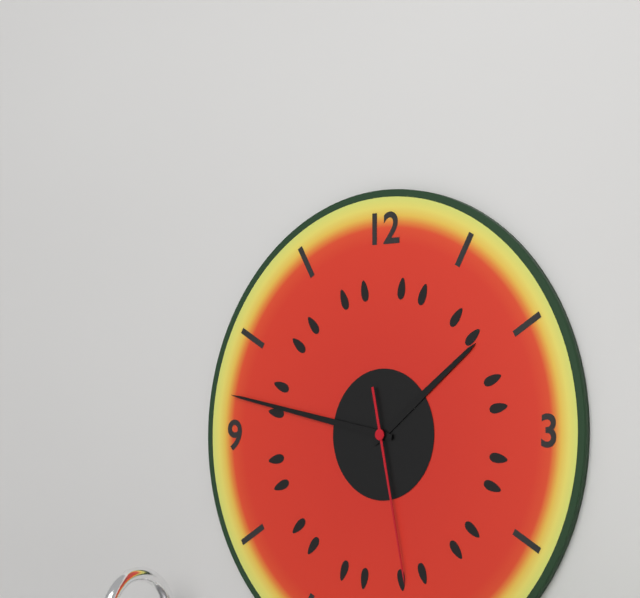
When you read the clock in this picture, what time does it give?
1:47:28
